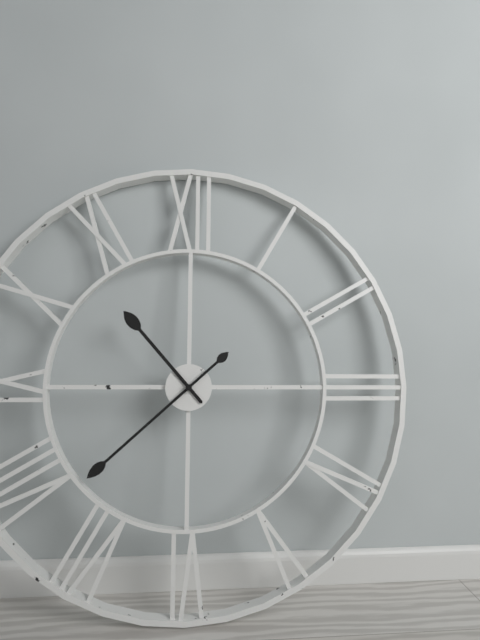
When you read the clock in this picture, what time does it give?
10:38
